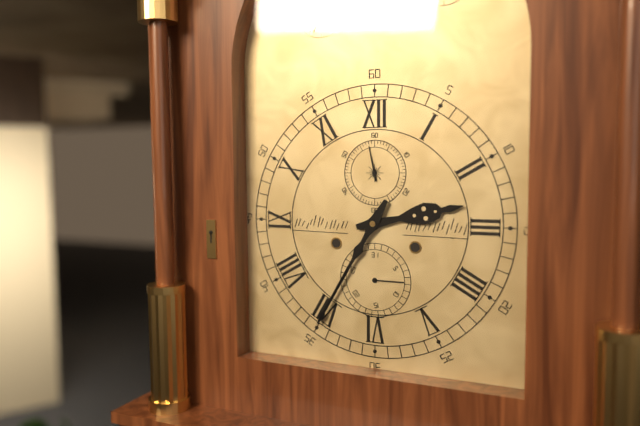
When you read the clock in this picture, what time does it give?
2:35
